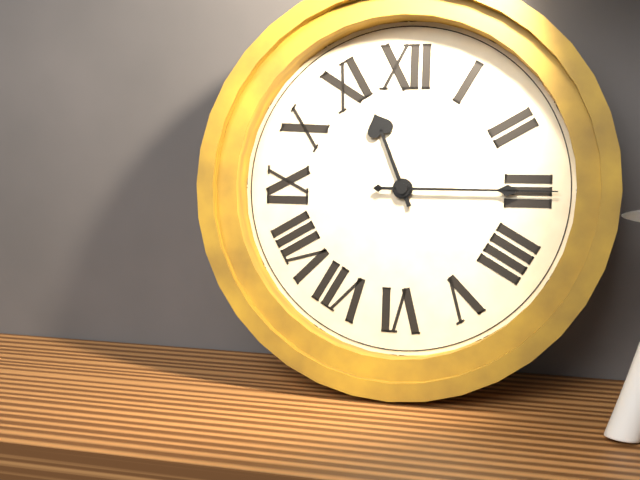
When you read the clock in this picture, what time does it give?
11:15
